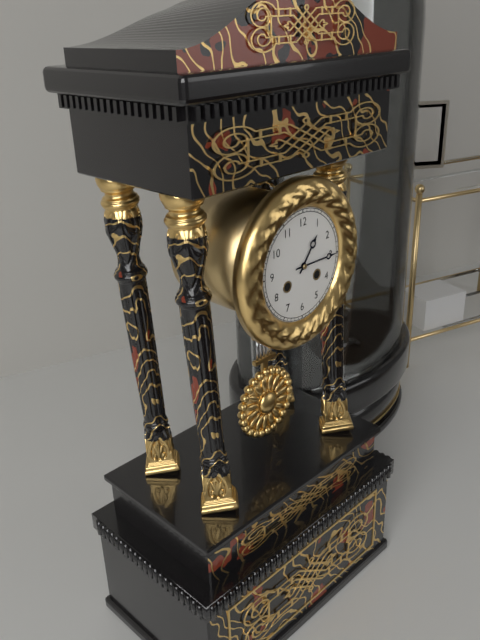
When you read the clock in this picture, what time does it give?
1:15
